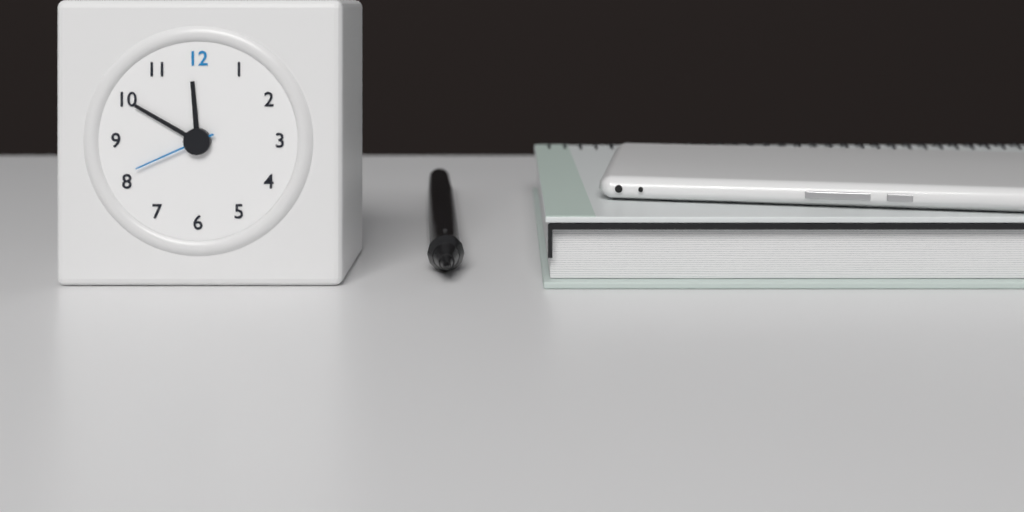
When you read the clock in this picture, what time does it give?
11:50:41
